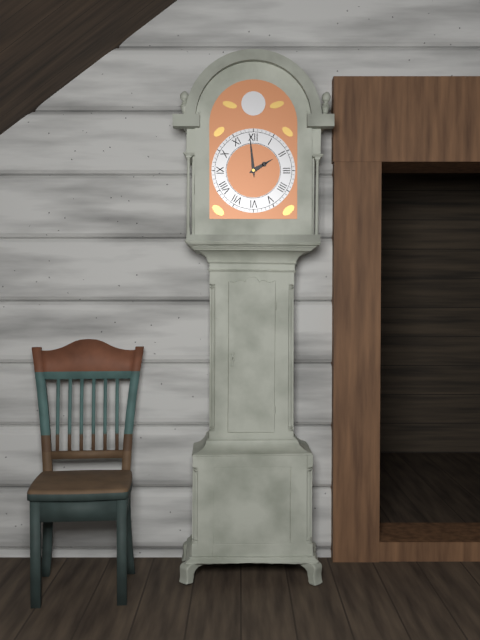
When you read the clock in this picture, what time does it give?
1:59
